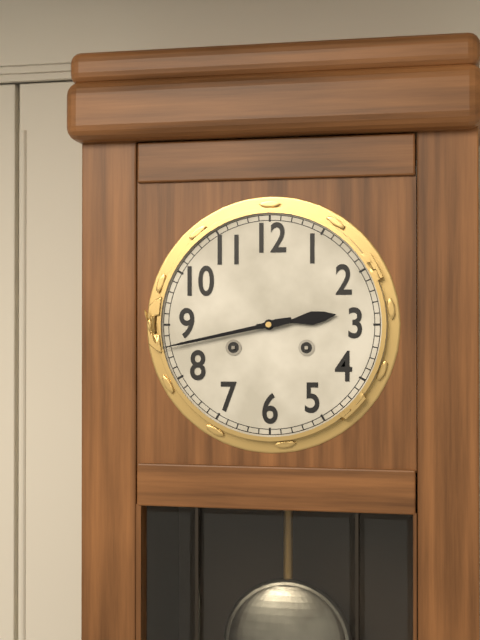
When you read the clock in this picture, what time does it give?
2:43
